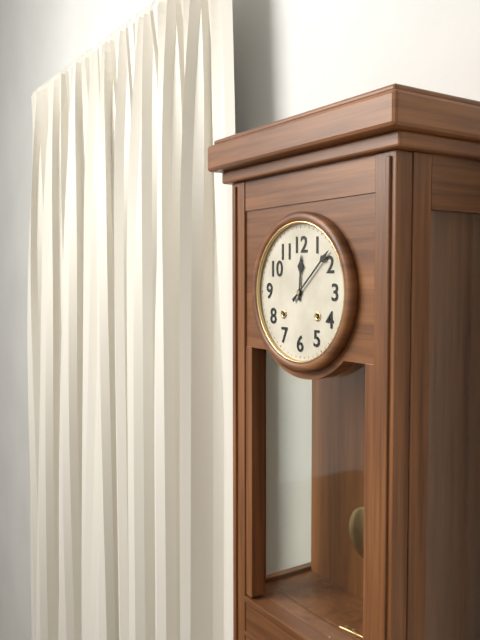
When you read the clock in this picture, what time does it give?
12:08
